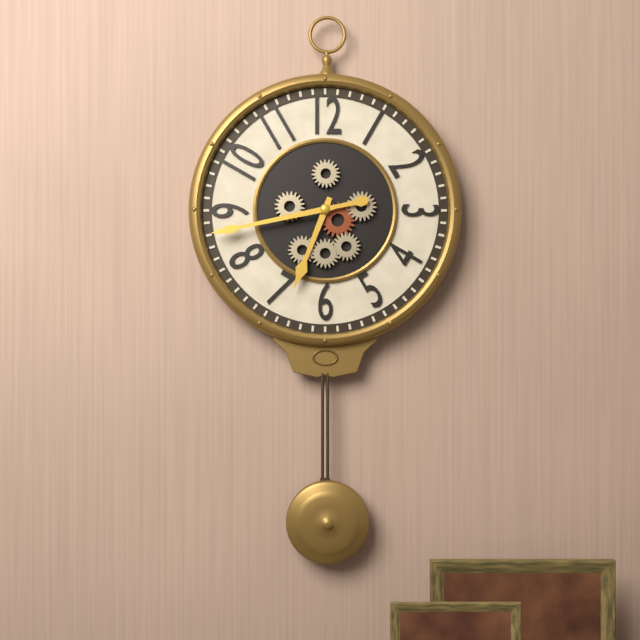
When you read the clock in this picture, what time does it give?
6:43
